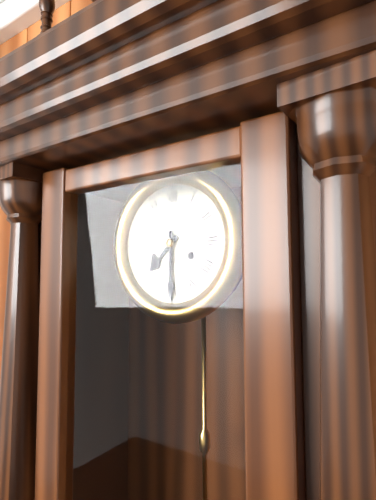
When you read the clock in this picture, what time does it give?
7:30
